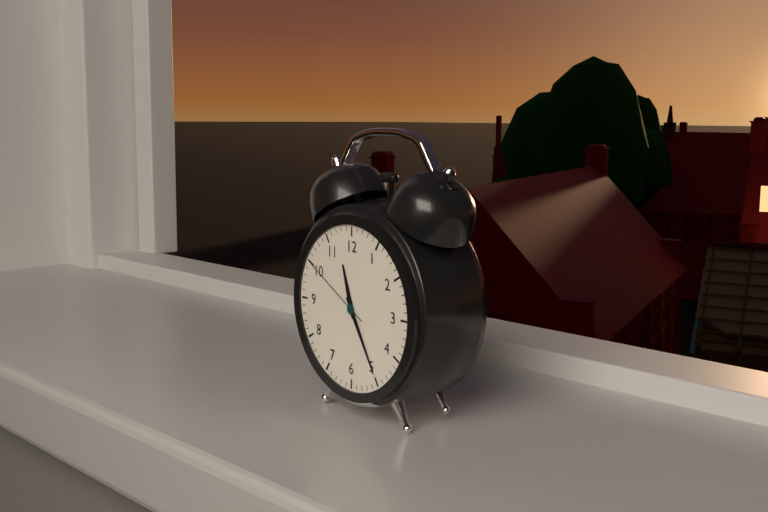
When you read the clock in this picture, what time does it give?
11:25:50
